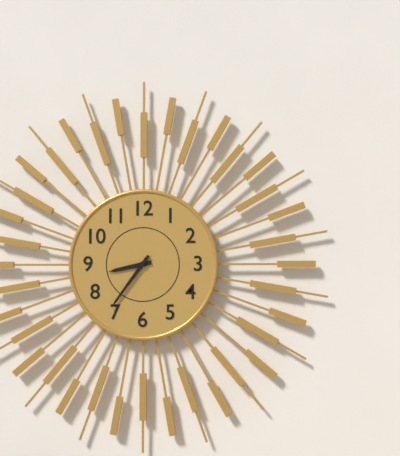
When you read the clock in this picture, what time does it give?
8:36
